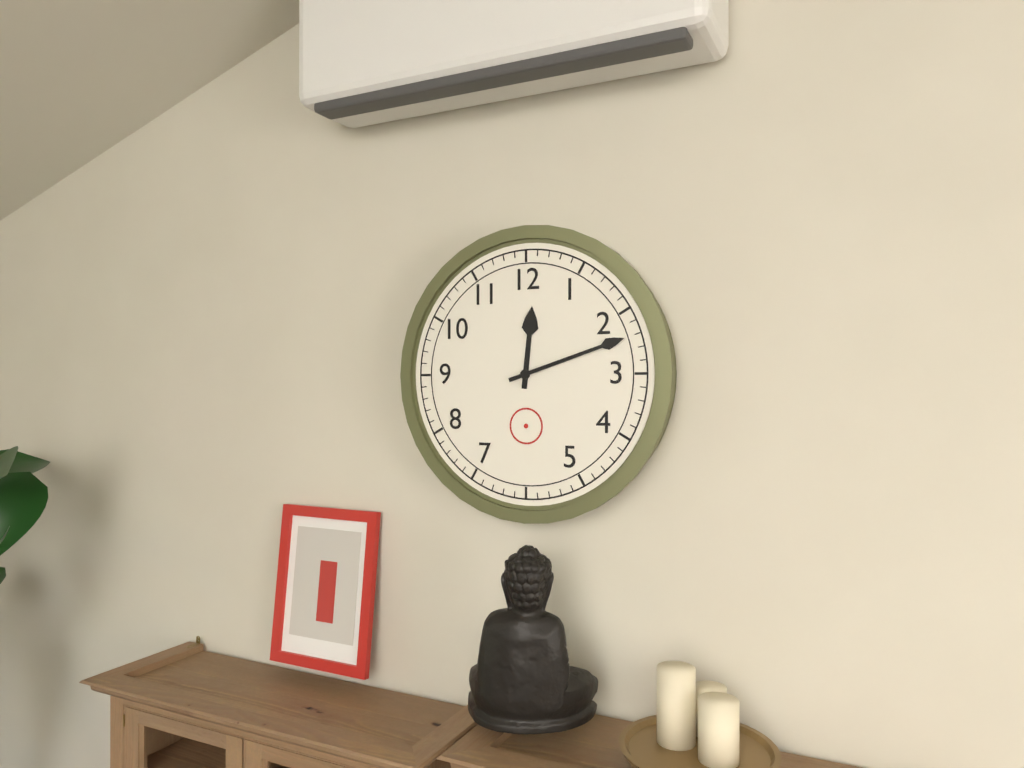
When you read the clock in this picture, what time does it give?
12:12
